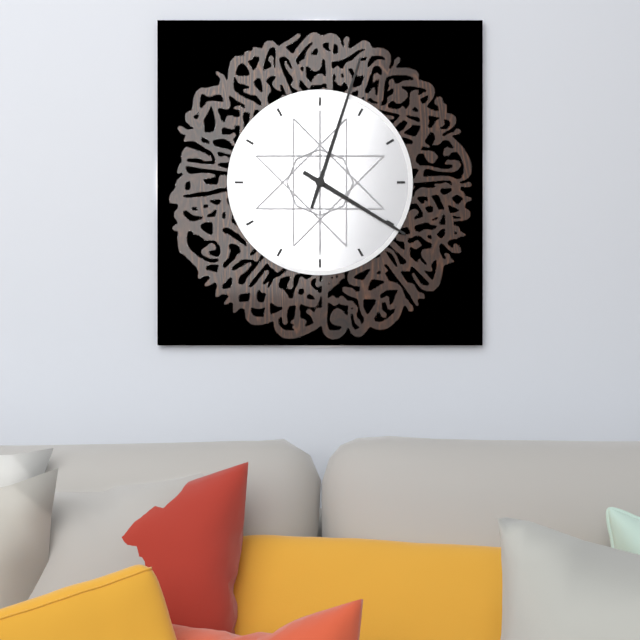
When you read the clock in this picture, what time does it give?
4:03
